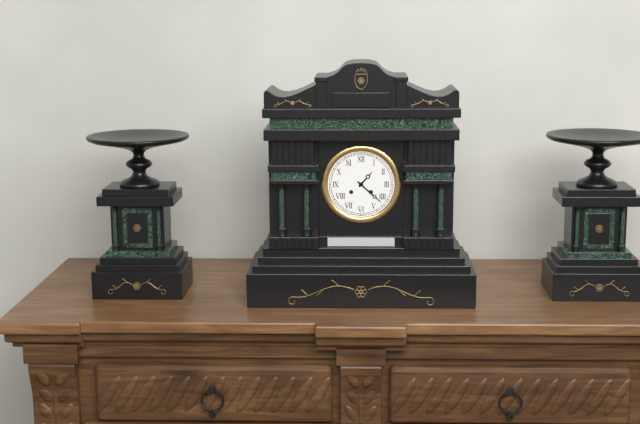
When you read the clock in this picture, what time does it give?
1:22
